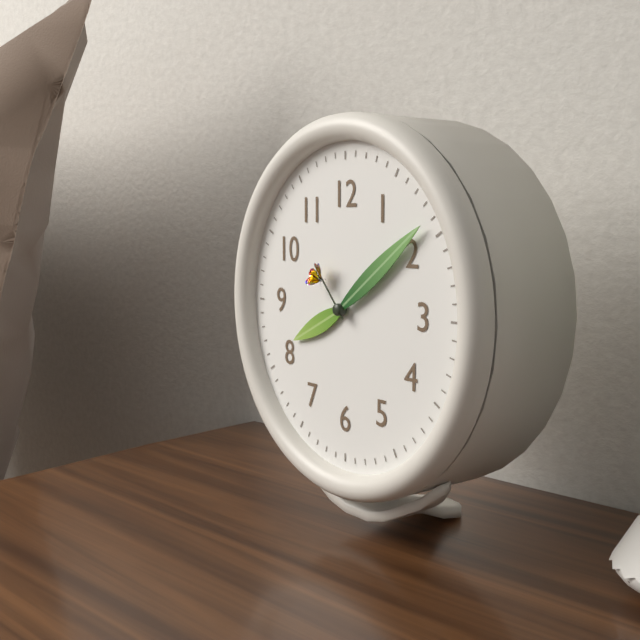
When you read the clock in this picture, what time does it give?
8:09:53
